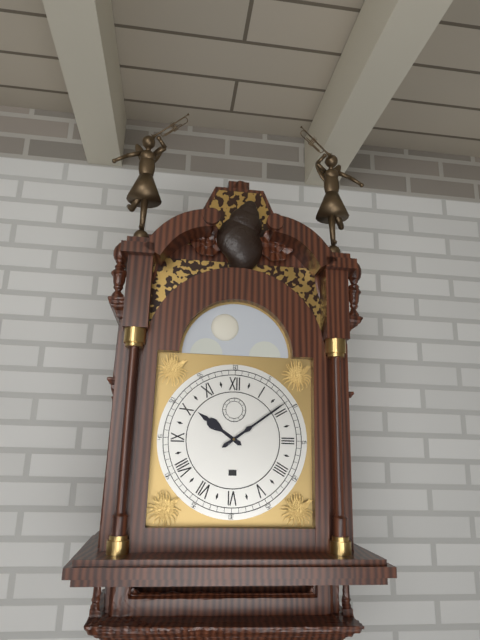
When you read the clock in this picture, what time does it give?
10:09
